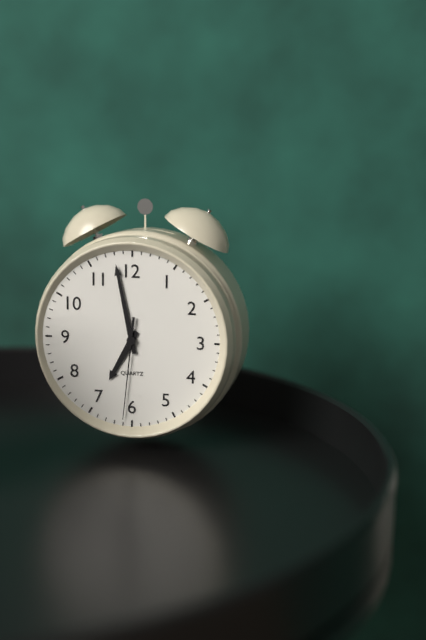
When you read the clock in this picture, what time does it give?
6:58:31
